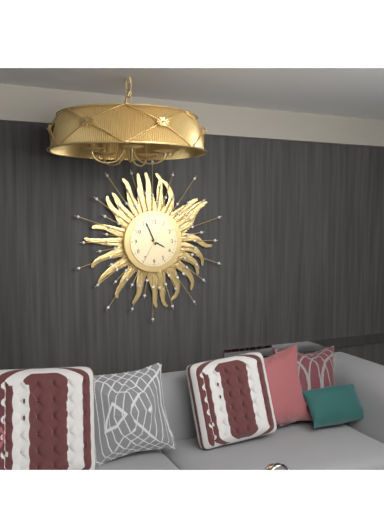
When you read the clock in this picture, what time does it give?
3:56
